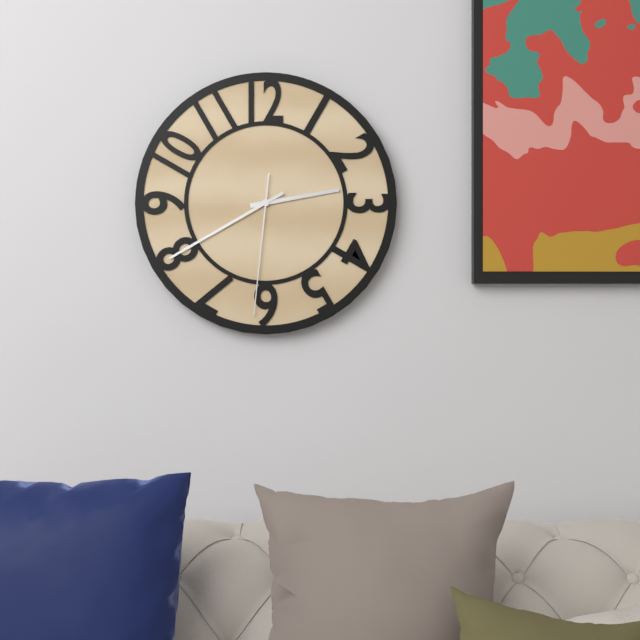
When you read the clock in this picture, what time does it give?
2:40:31
